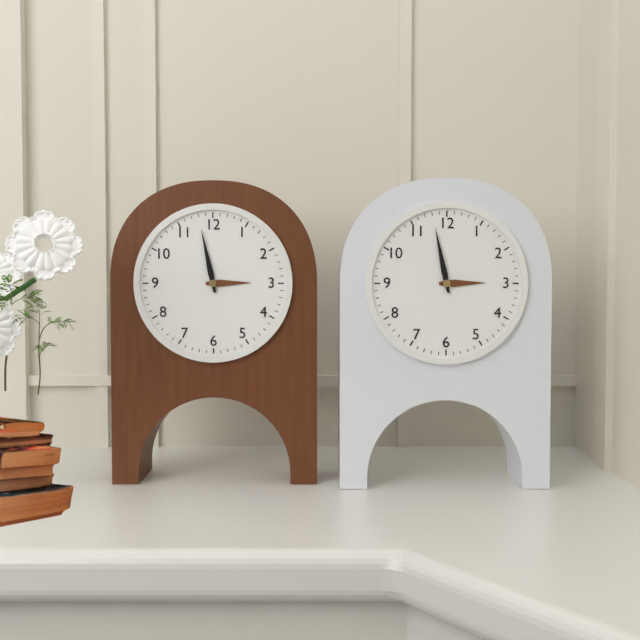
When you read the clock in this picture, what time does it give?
2:58
